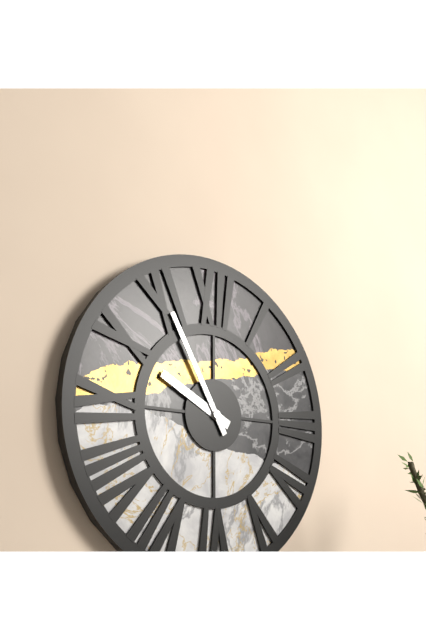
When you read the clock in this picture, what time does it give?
9:55
